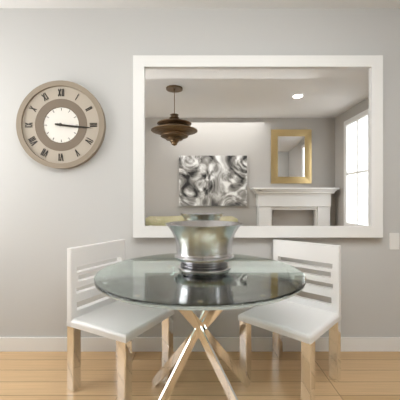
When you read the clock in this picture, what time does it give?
3:16
